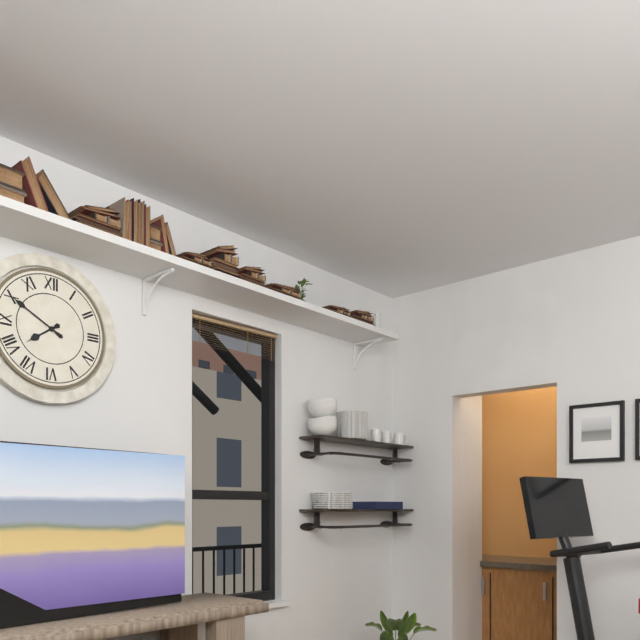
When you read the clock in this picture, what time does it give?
7:50
